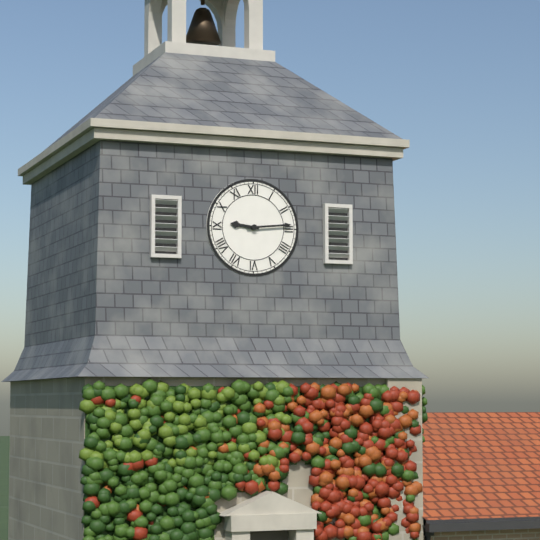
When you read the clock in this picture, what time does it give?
9:14
